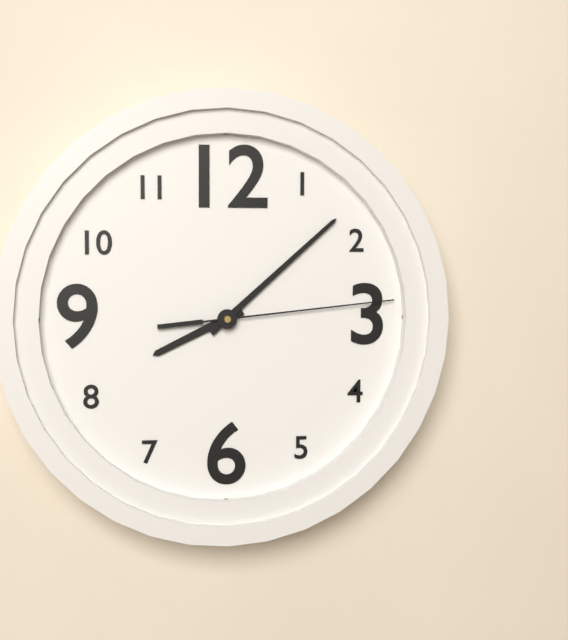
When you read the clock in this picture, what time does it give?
8:08:14
